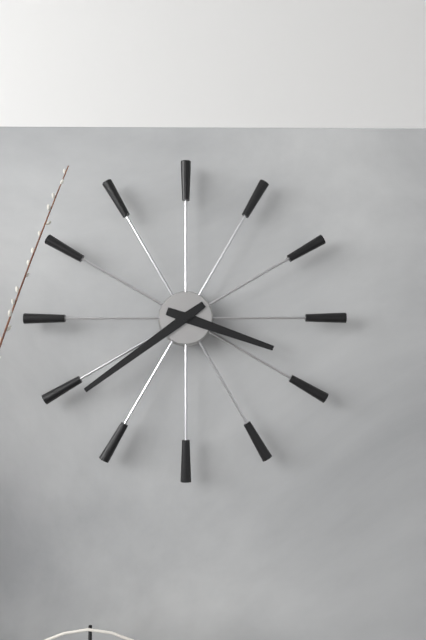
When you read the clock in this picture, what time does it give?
3:39
